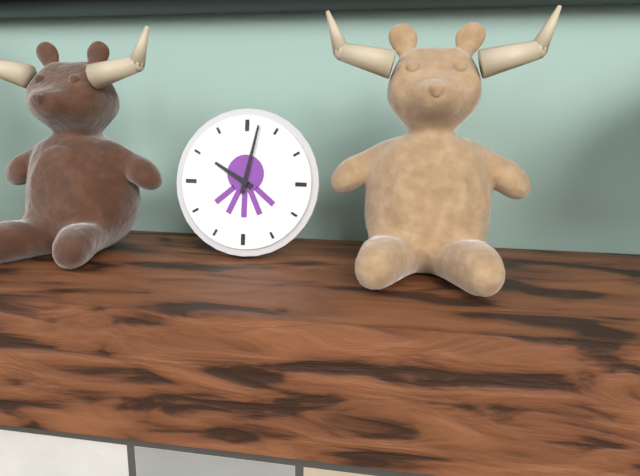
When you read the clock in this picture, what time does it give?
10:02
